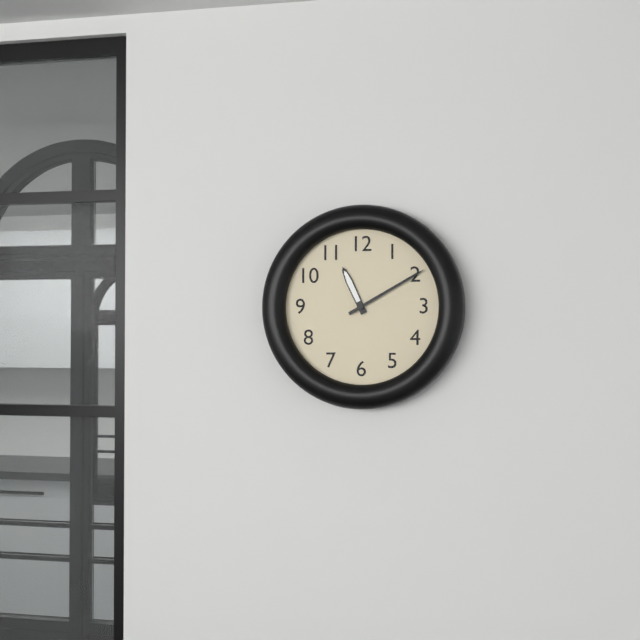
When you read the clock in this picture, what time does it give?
11:10
